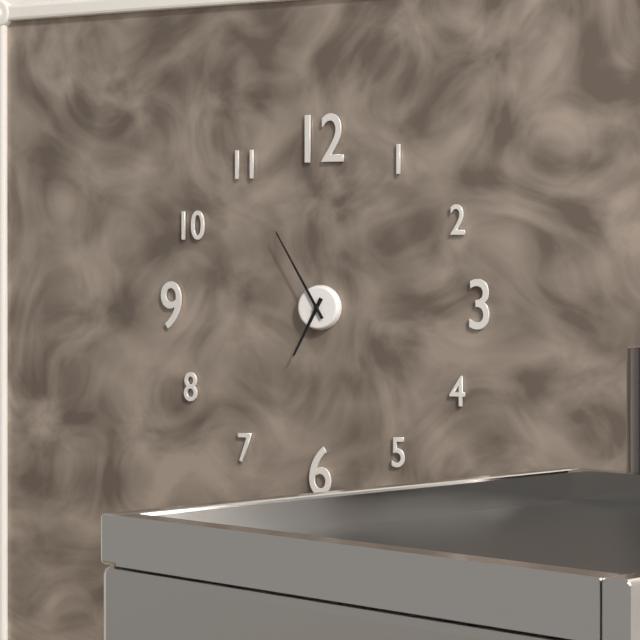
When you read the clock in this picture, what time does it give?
6:55
